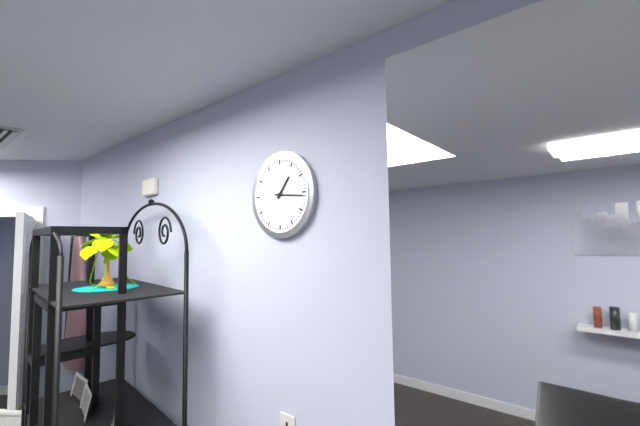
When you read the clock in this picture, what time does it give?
1:16
